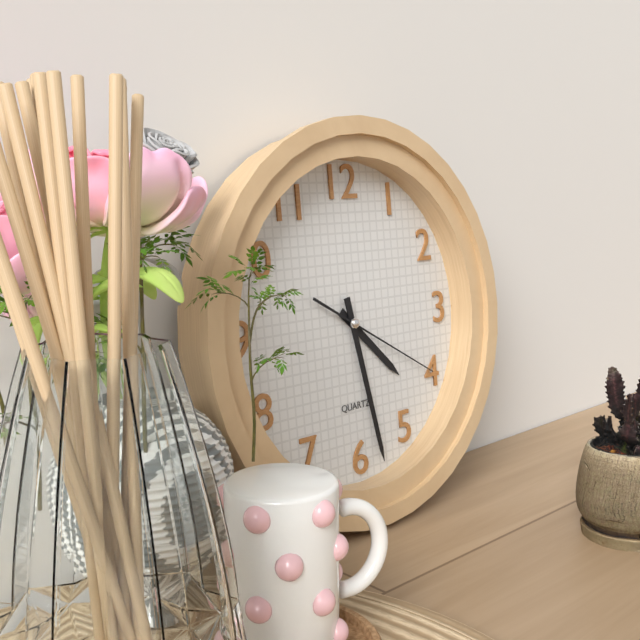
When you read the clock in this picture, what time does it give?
4:28:20
